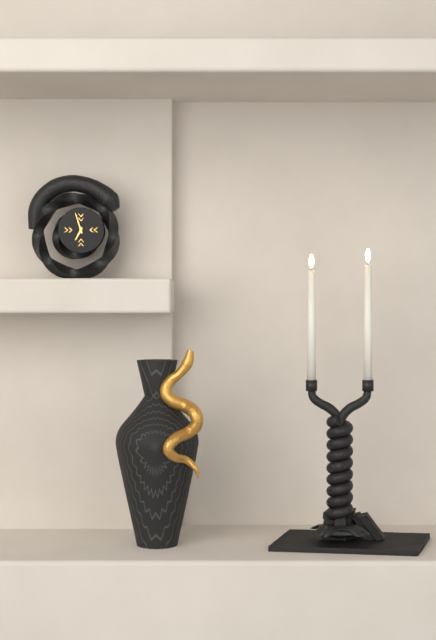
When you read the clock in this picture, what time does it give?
6:57
